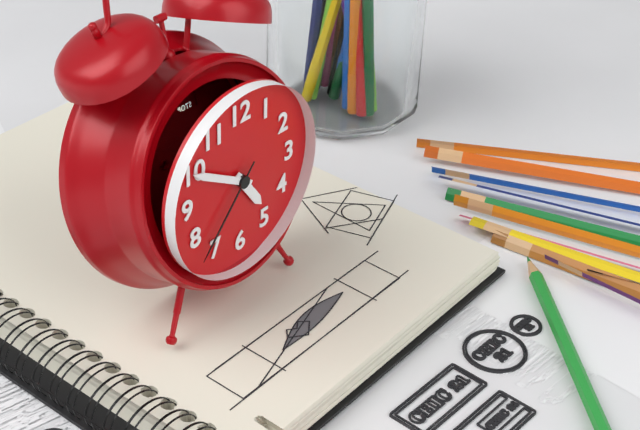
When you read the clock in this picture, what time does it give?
4:50:37
